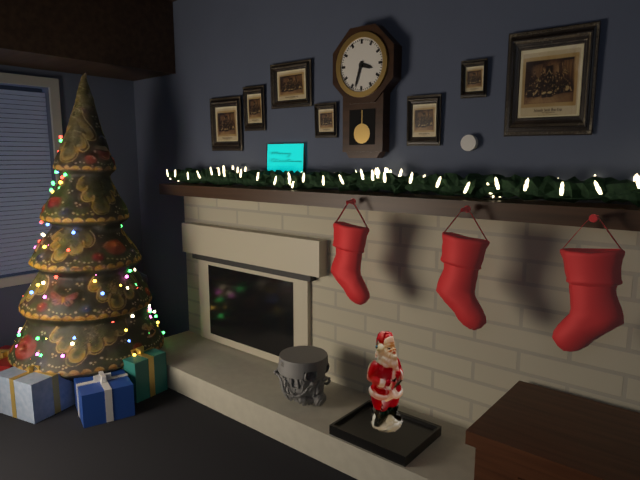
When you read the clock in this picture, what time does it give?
3:33
